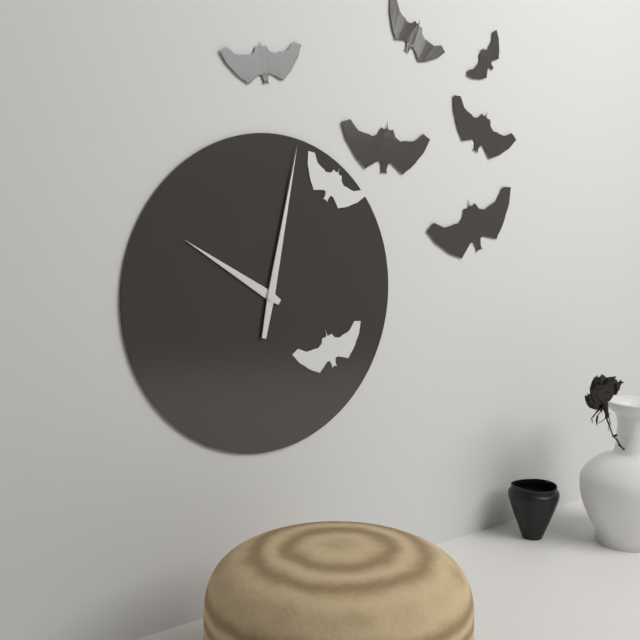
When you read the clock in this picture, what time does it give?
10:02
